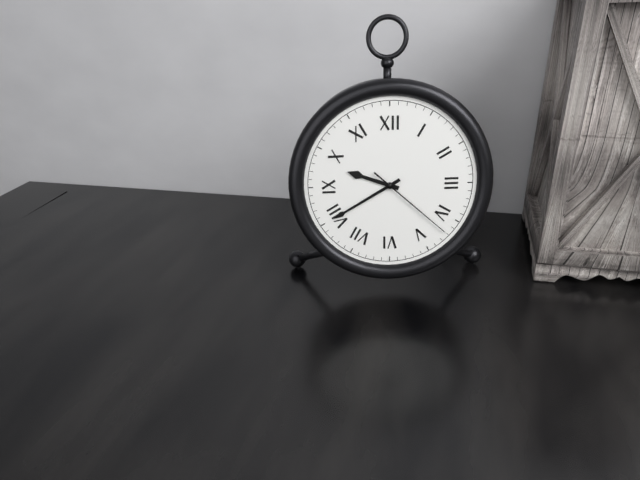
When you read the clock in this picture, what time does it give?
9:40:22
